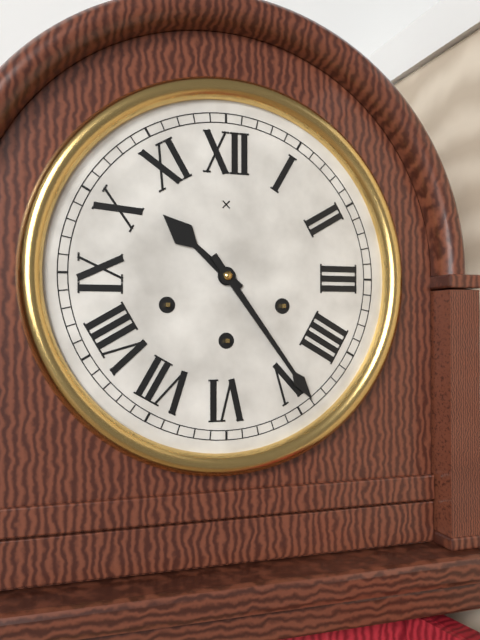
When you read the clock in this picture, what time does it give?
10:24
